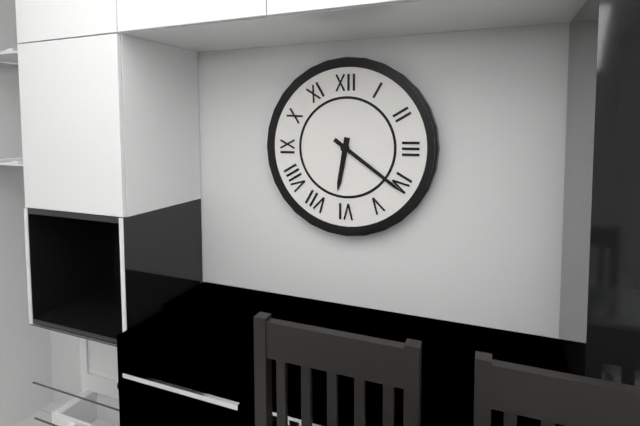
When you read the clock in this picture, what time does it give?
6:21
